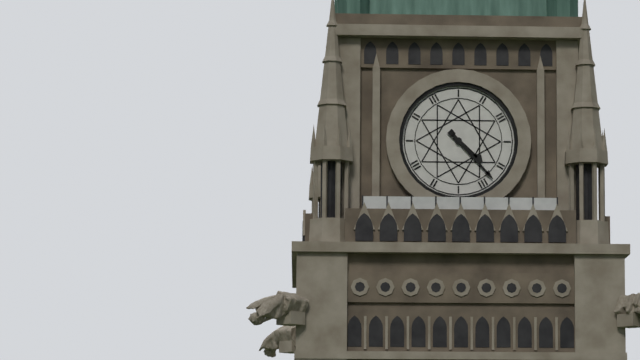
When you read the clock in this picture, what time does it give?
4:23
